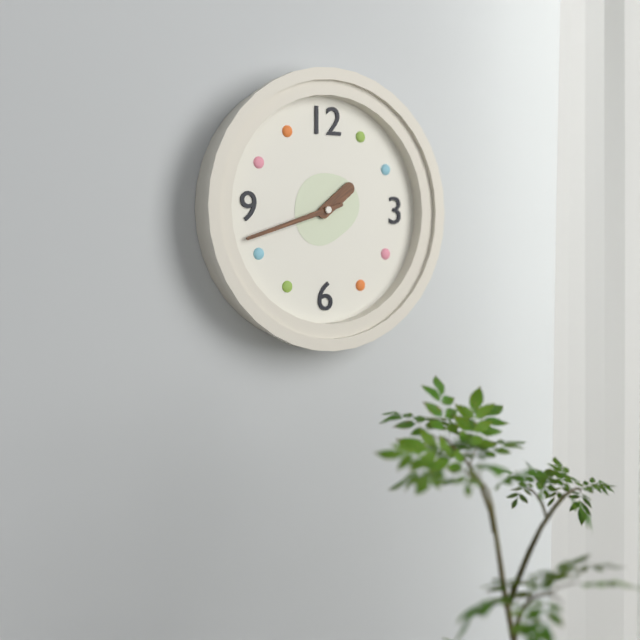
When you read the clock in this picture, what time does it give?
1:42
